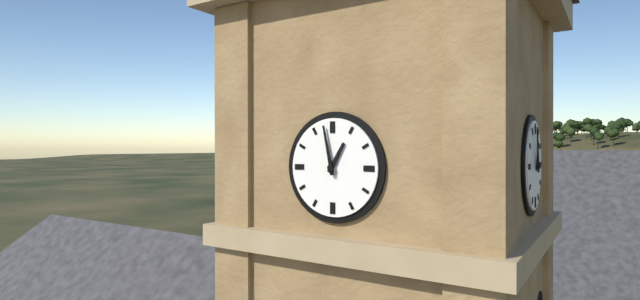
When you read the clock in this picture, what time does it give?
12:58
